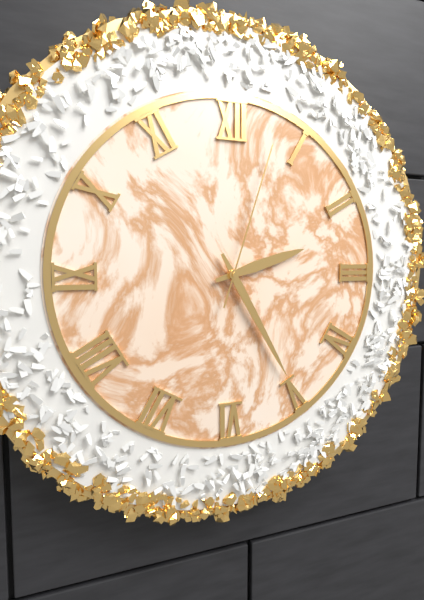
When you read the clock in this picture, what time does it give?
2:25:03
